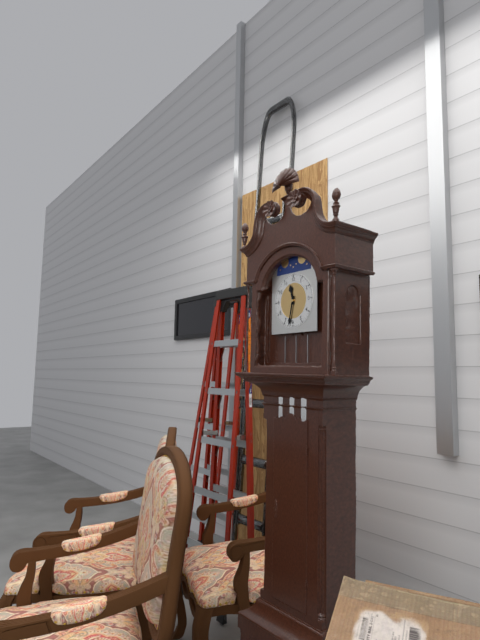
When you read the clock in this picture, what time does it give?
11:32
